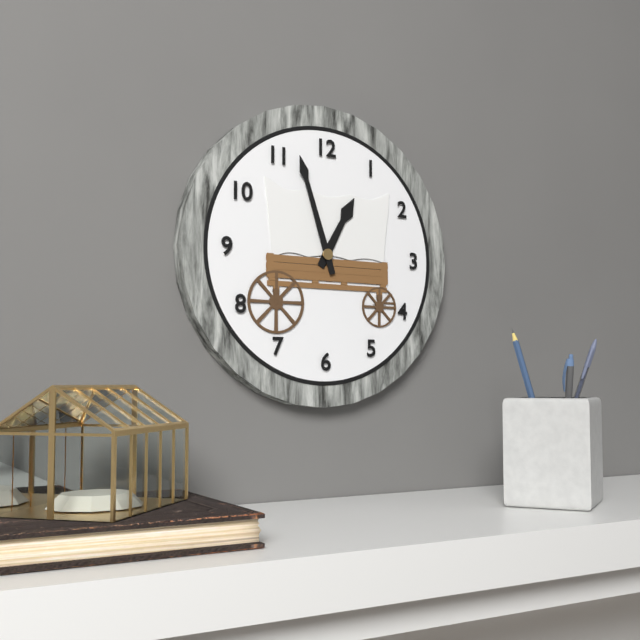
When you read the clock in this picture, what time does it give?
12:57
